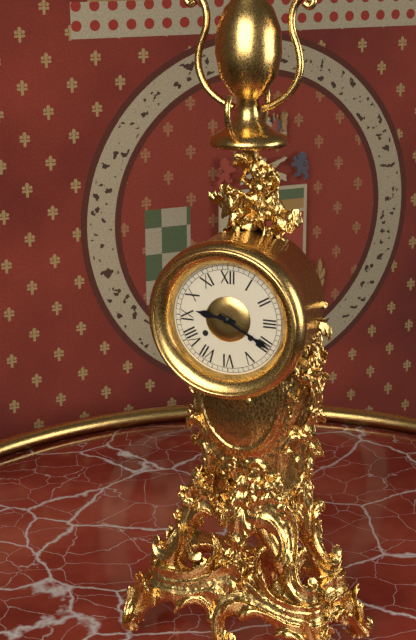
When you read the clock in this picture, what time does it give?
9:20
